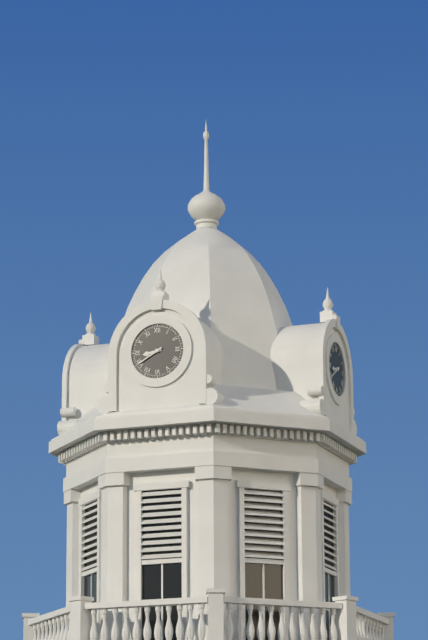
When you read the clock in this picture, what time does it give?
8:40
